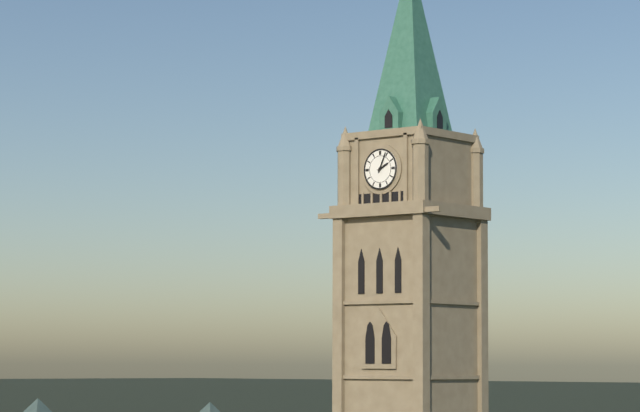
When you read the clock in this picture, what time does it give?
2:04
